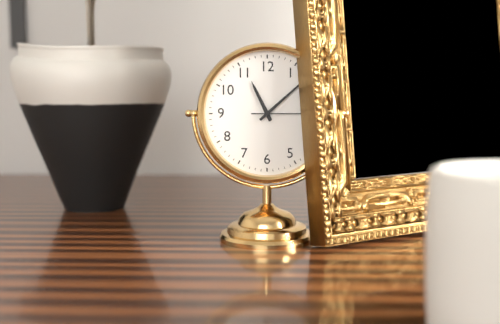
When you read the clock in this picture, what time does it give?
11:08
